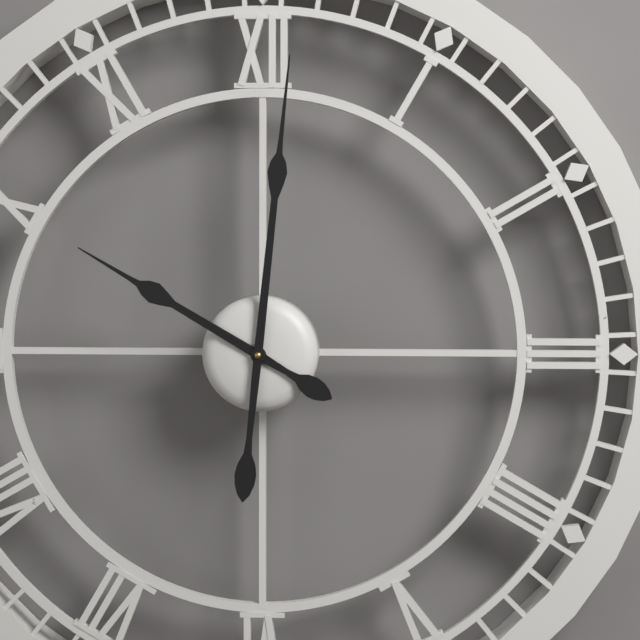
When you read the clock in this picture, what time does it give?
10:01
